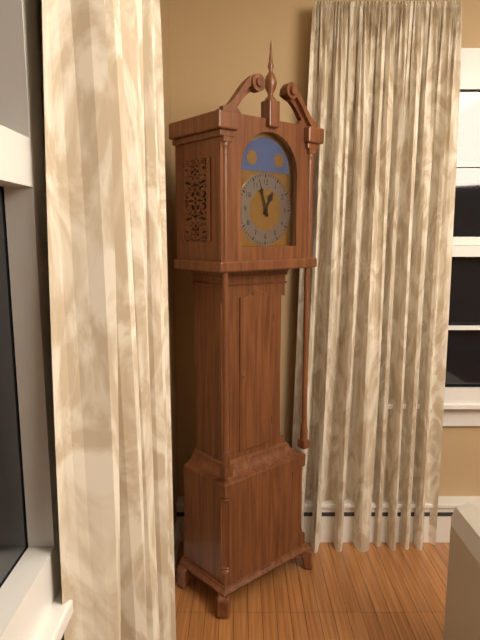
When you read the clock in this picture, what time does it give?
12:57
